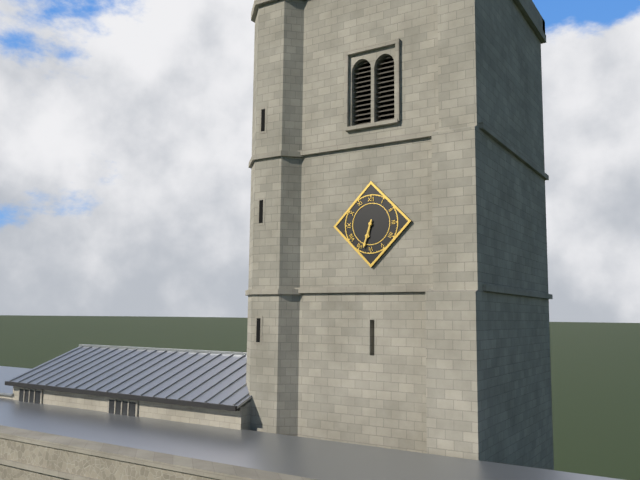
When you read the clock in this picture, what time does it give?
6:33
